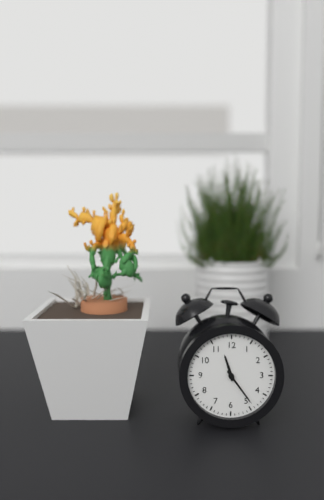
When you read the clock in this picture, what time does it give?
11:24
